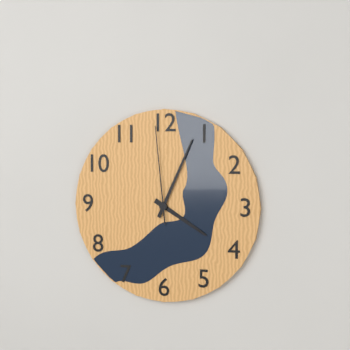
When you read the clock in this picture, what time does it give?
4:04:59
